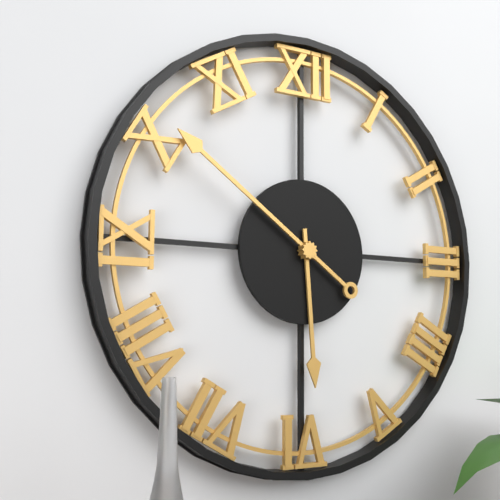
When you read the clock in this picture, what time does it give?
5:51
